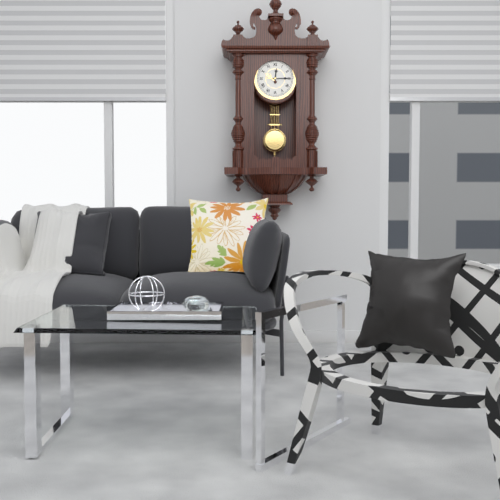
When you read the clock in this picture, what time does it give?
12:15
